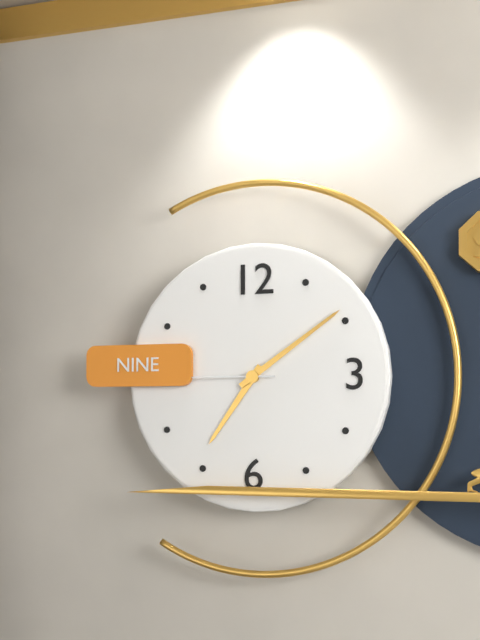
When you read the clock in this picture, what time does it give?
7:09
